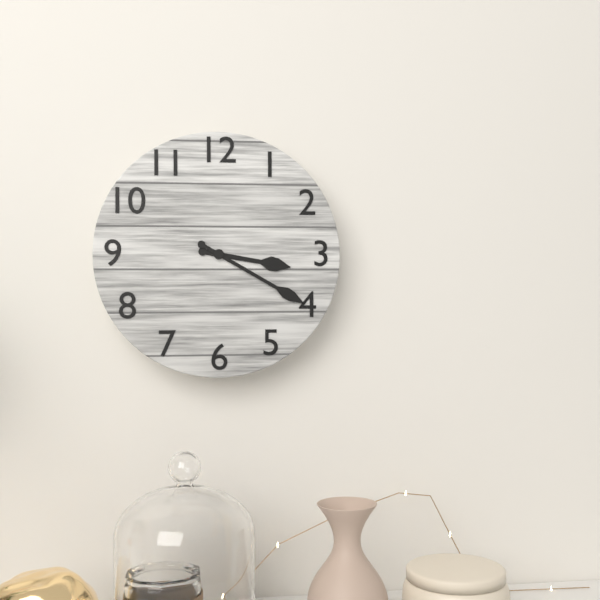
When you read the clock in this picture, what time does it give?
3:20
